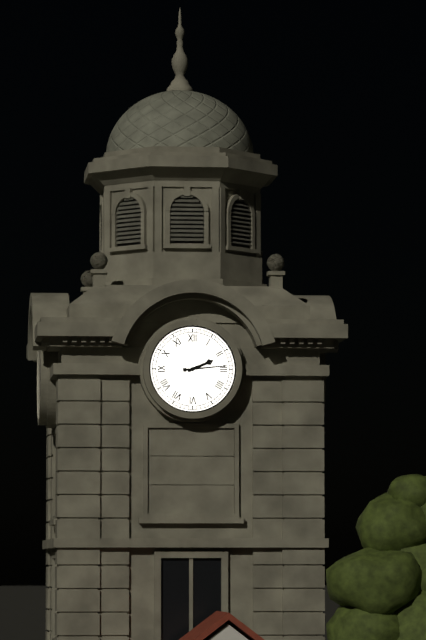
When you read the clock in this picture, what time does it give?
2:14
